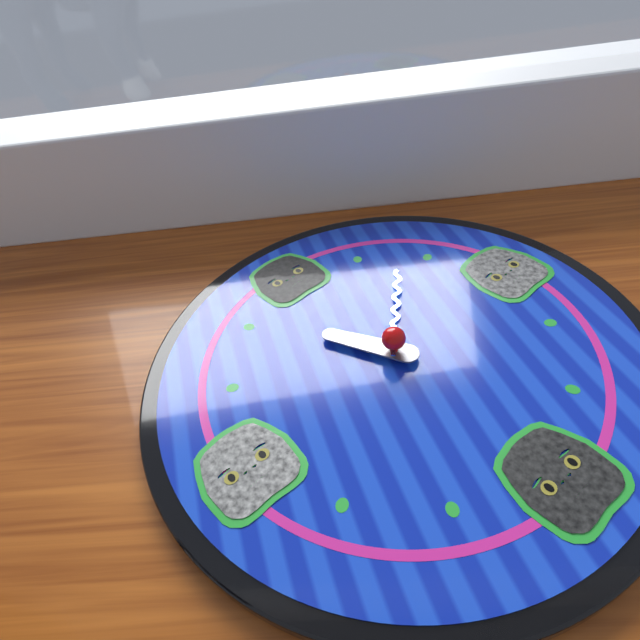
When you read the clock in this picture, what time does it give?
11:08
